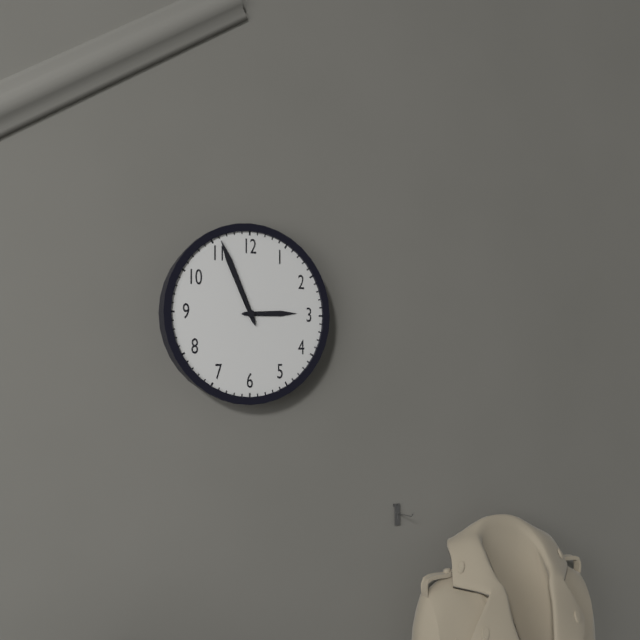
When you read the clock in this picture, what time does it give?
2:56
